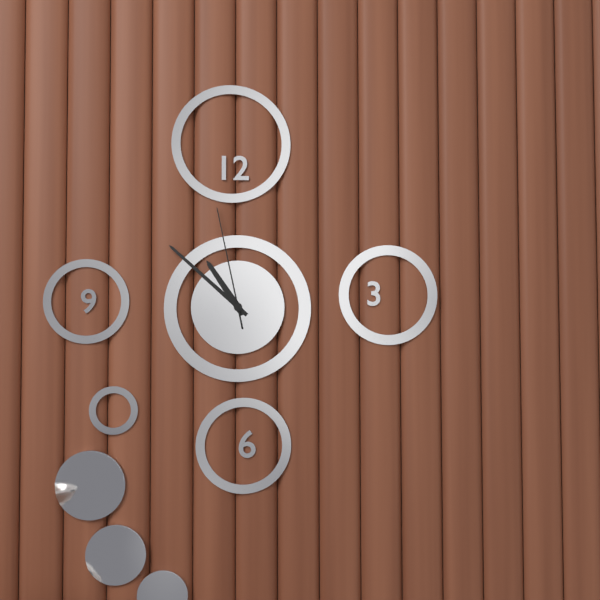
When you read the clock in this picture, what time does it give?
10:52:58
